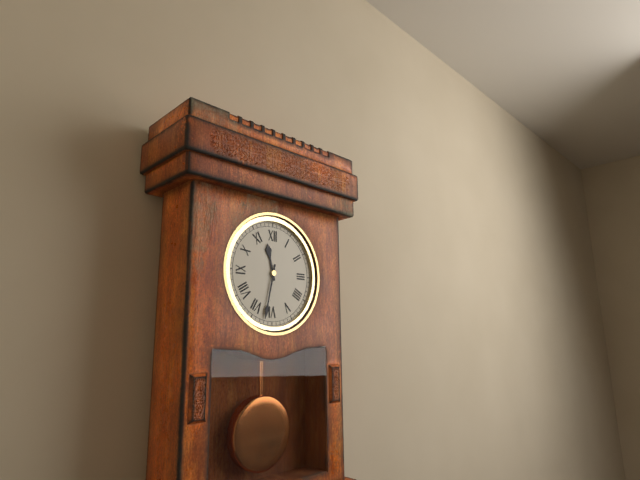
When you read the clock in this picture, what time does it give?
11:32
